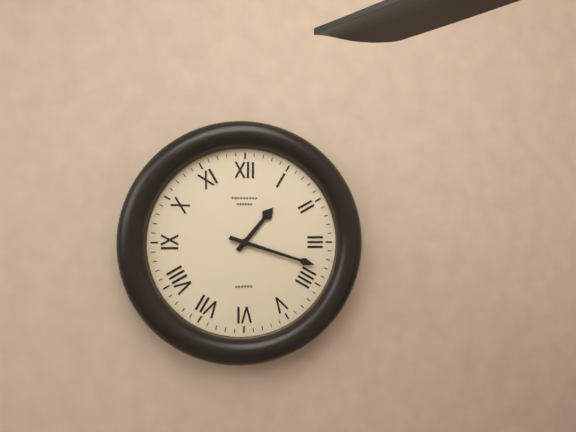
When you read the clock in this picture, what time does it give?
1:18
